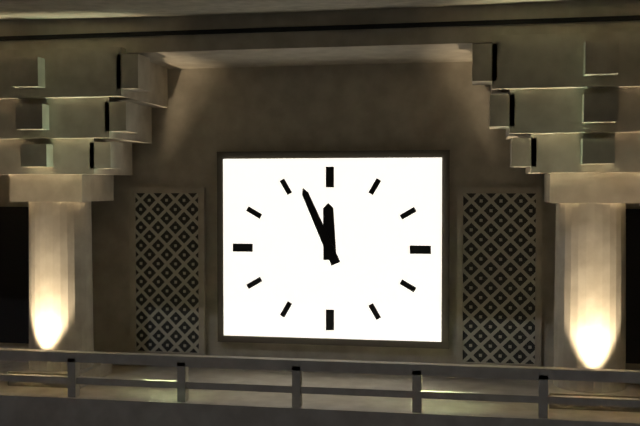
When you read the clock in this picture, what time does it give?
11:56
